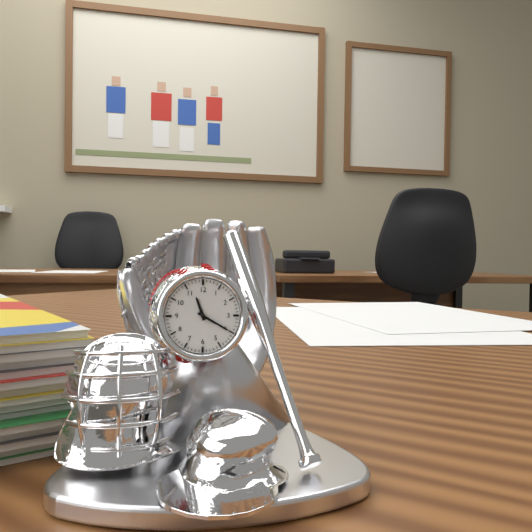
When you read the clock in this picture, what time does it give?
11:20
